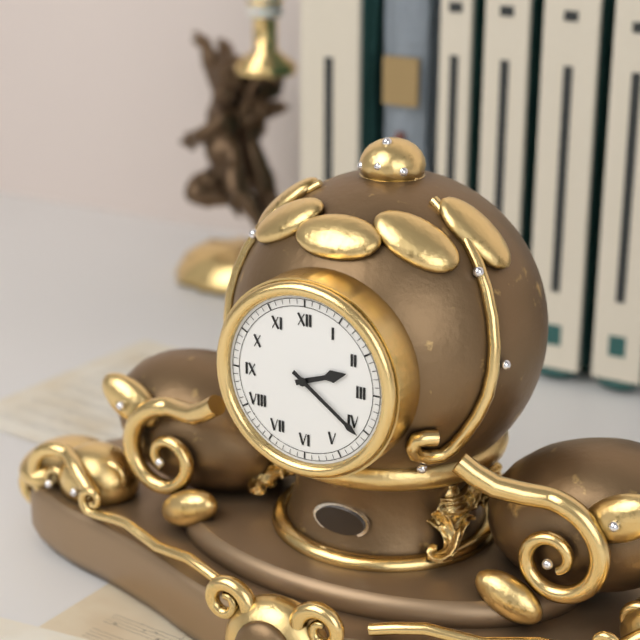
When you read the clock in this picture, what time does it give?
2:21
